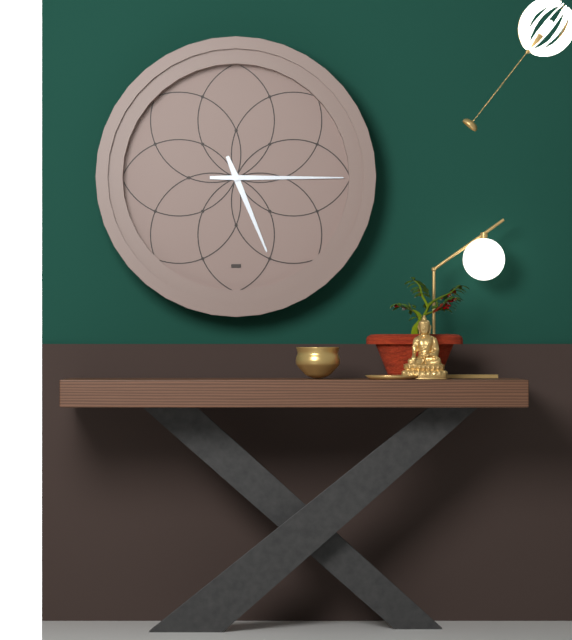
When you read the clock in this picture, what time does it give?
5:15
